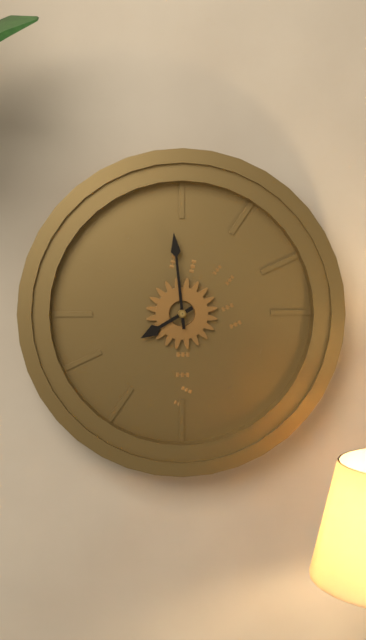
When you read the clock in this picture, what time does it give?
7:59
